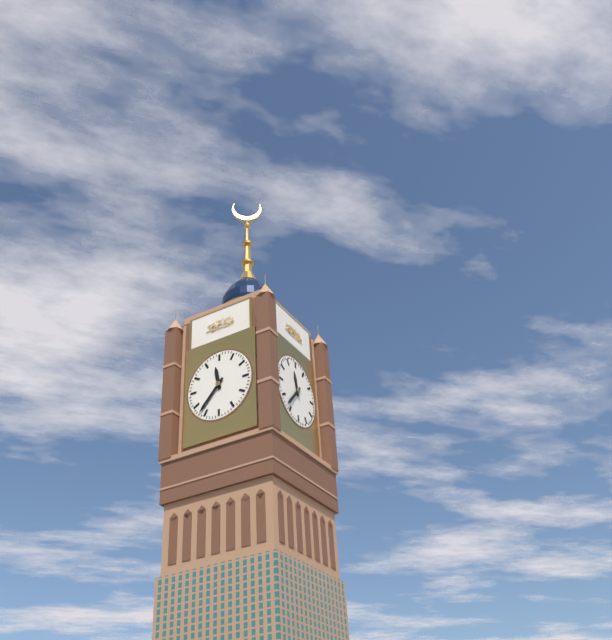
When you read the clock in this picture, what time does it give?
11:37
